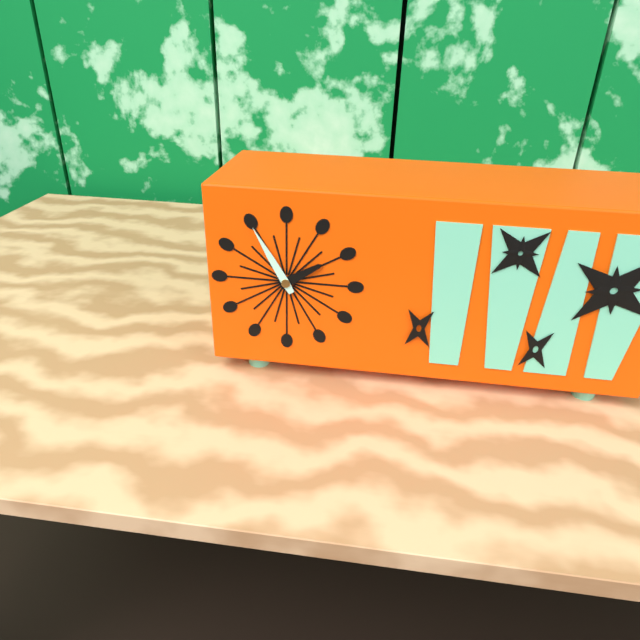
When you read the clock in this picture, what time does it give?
1:55
